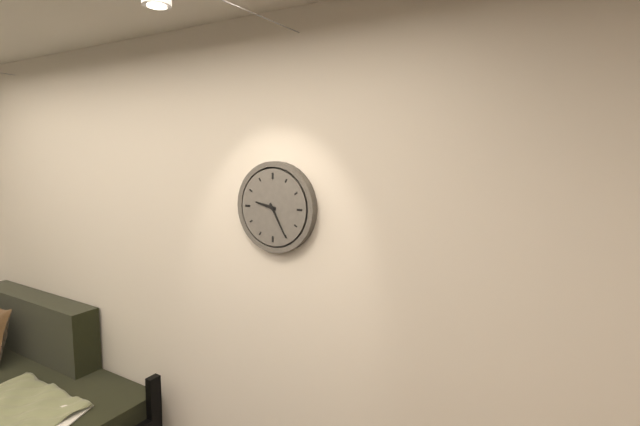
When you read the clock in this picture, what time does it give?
9:25
